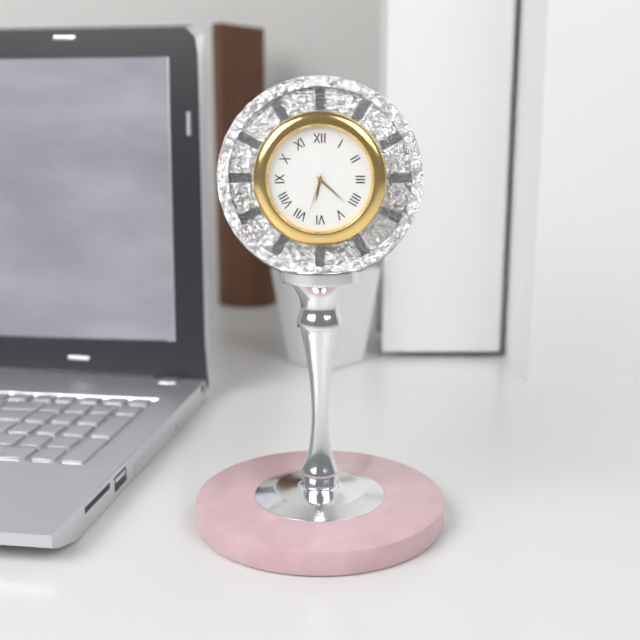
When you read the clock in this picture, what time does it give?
6:22
